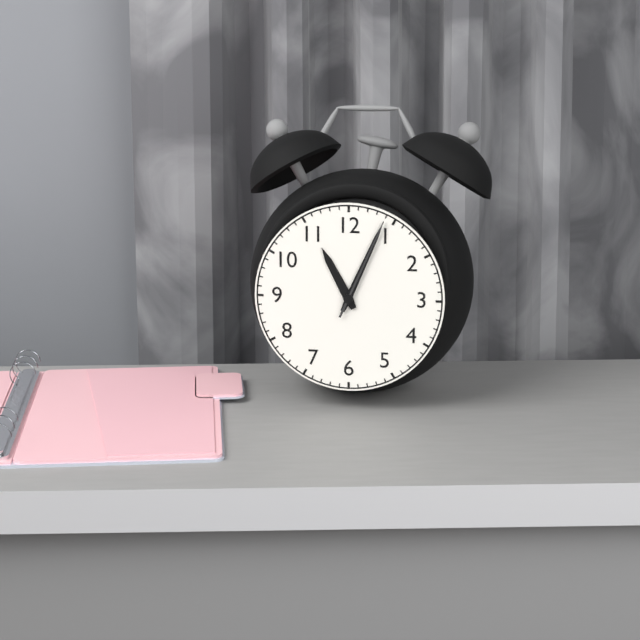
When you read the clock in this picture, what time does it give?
11:04:04
